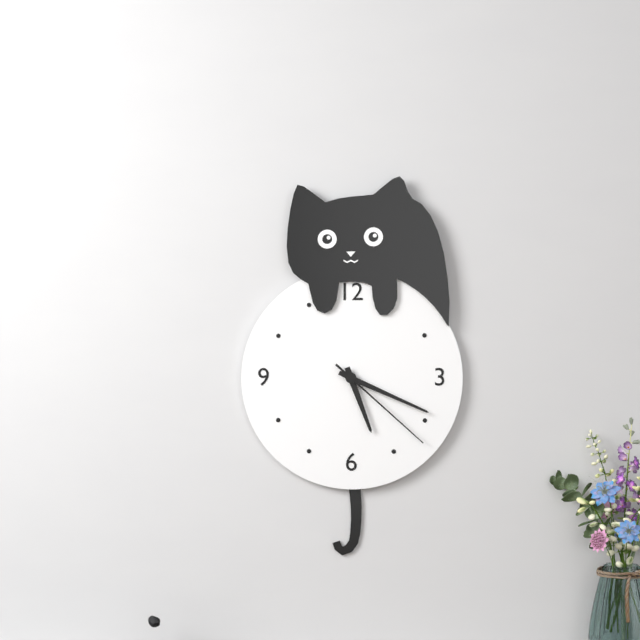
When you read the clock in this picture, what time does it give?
5:19:22
